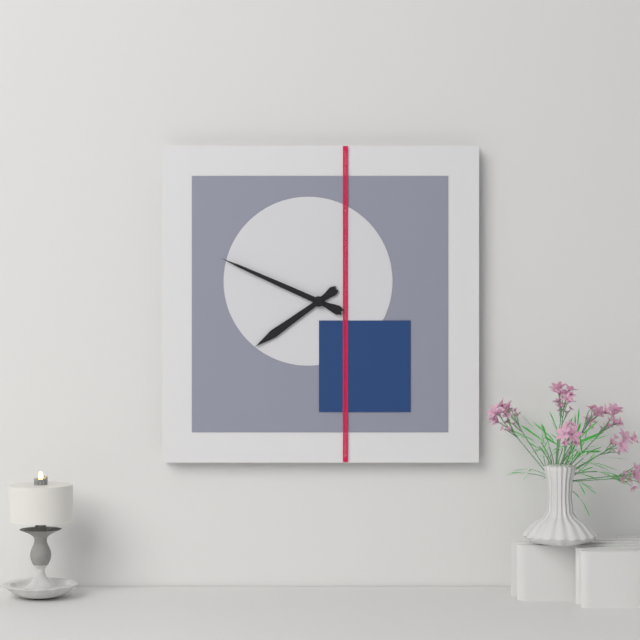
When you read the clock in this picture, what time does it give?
7:49
